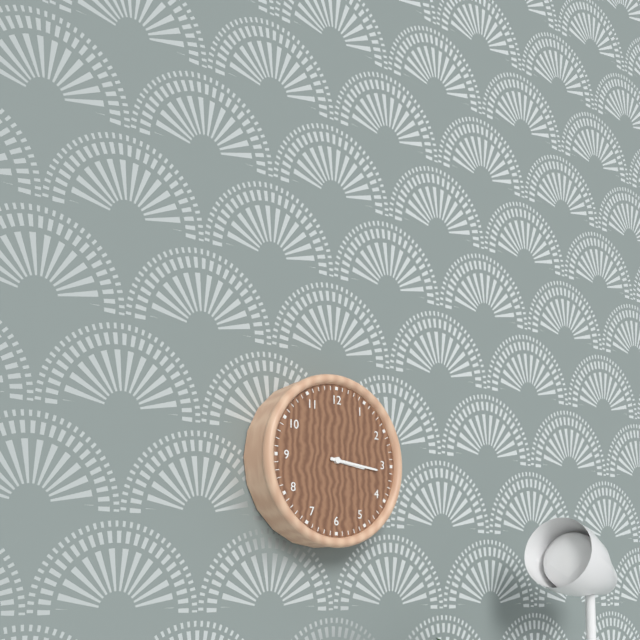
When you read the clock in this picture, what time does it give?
3:16
